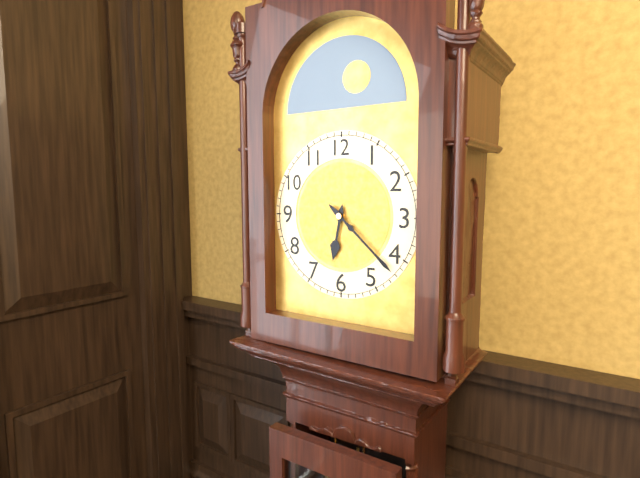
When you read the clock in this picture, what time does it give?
6:22
